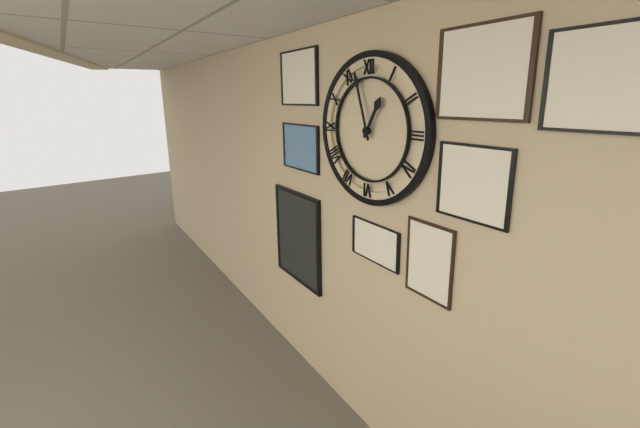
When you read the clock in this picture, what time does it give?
12:57
